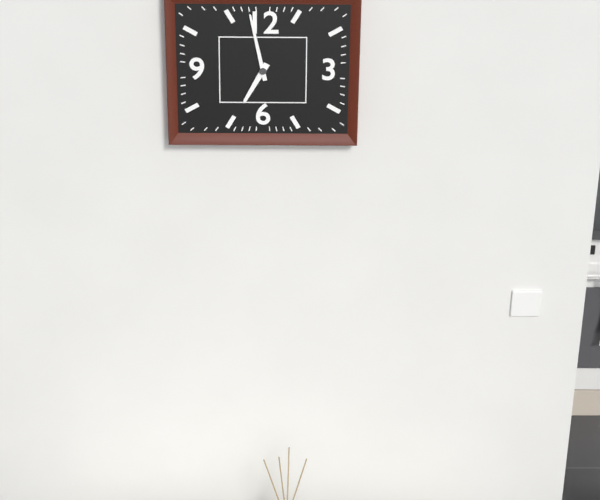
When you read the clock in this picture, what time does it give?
6:58
